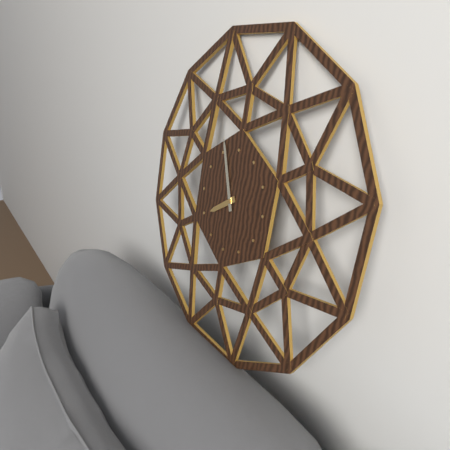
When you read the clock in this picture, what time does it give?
7:56
